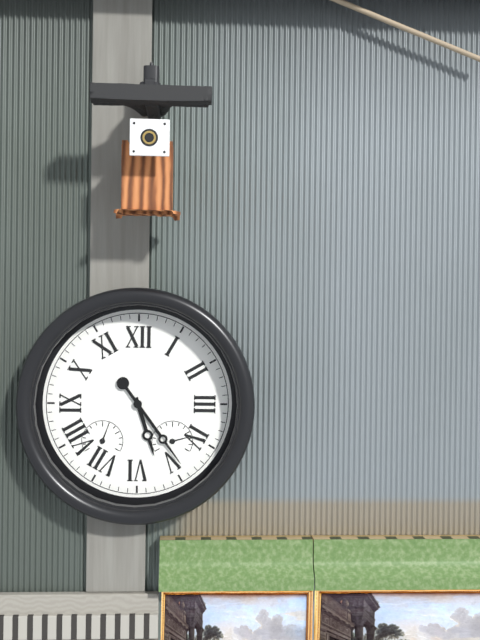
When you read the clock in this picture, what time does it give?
5:24
